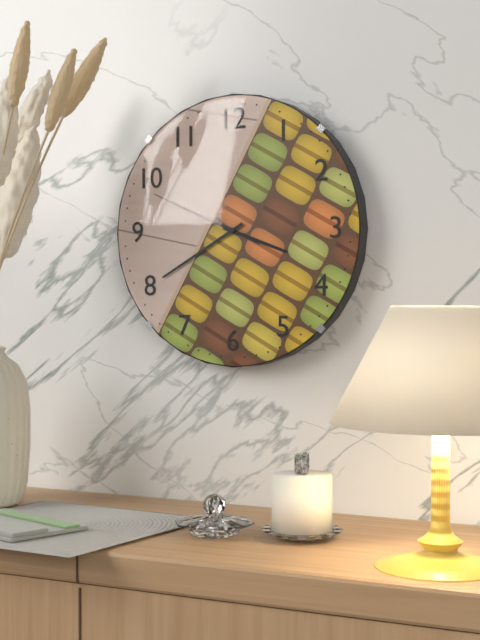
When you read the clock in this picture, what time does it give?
3:40:49
